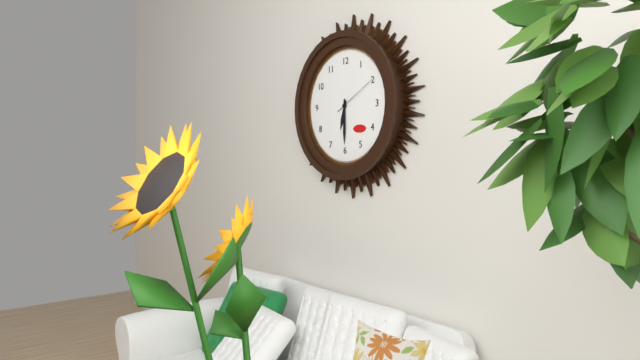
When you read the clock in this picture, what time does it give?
6:30
